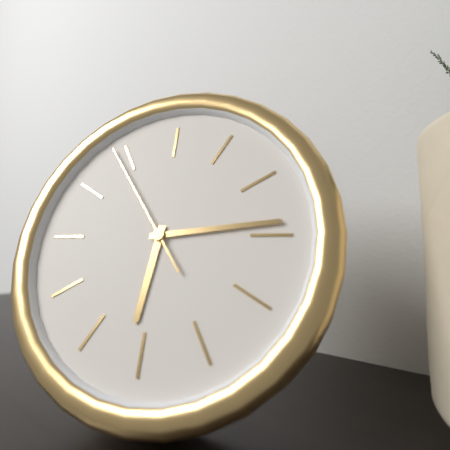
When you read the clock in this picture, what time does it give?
6:14:54
